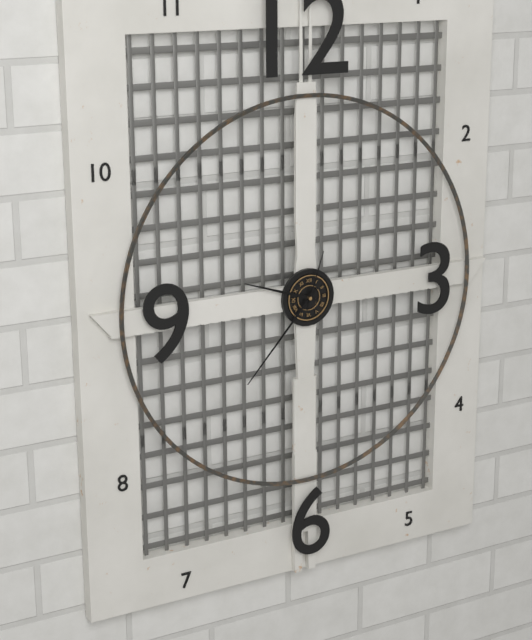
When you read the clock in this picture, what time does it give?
9:37:03
